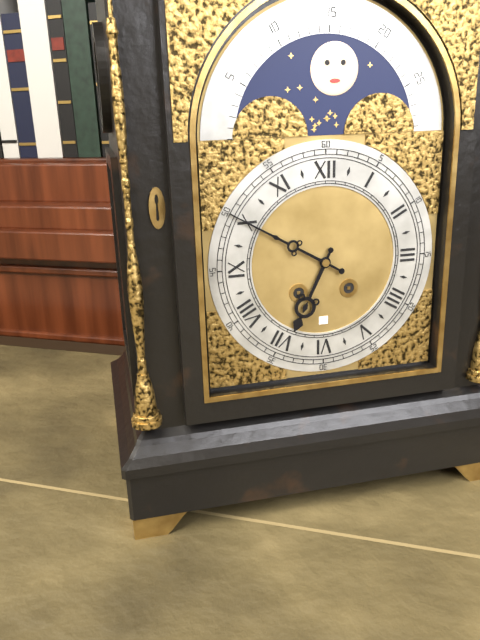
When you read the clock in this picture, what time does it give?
6:50
